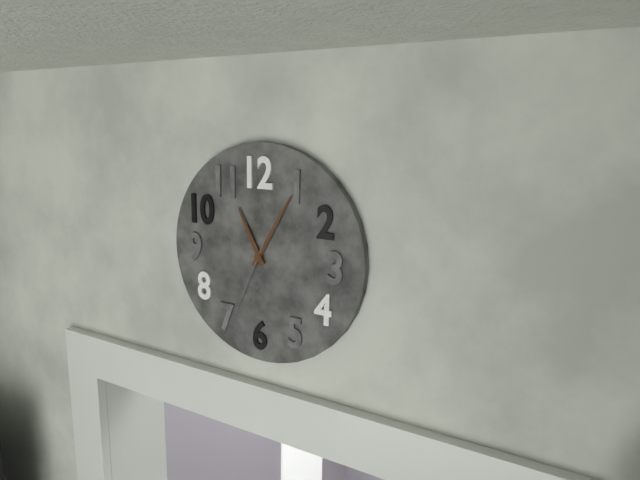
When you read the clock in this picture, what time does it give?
11:05:34
